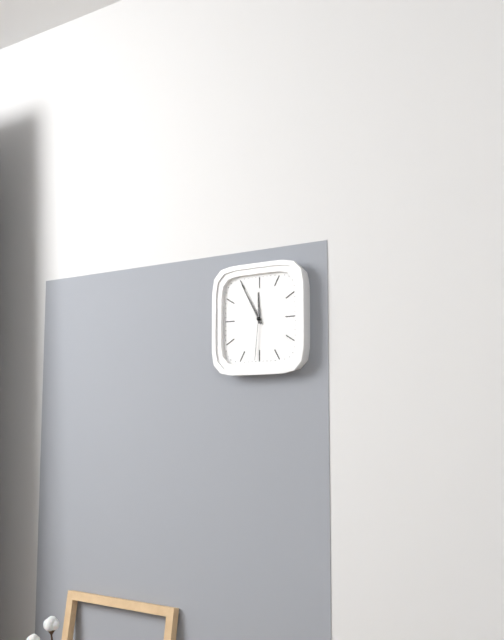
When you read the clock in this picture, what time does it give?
11:55:31
